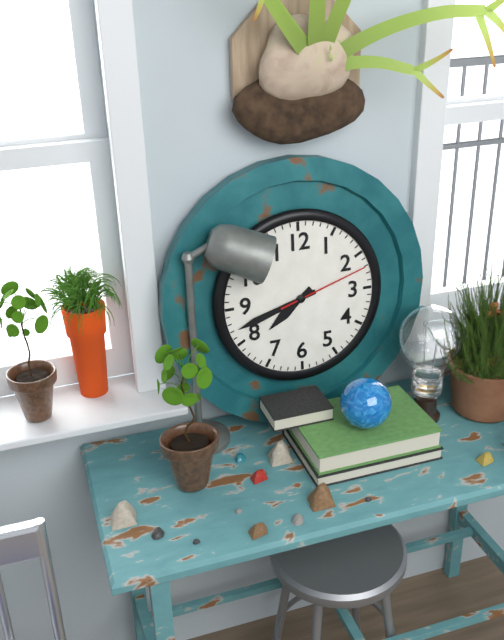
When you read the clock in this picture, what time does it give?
7:42:12
